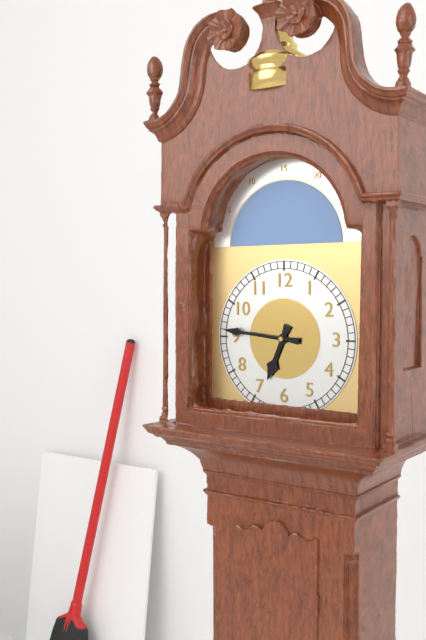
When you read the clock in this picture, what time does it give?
6:46
